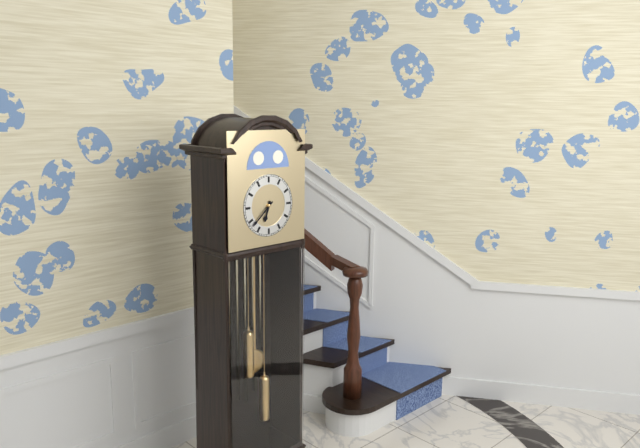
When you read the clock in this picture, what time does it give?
6:38
